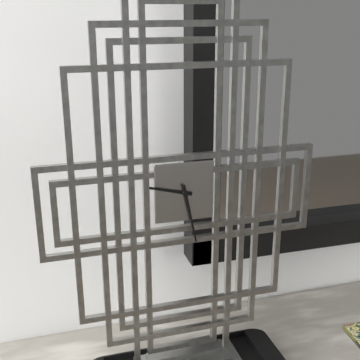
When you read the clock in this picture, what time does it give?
9:28
